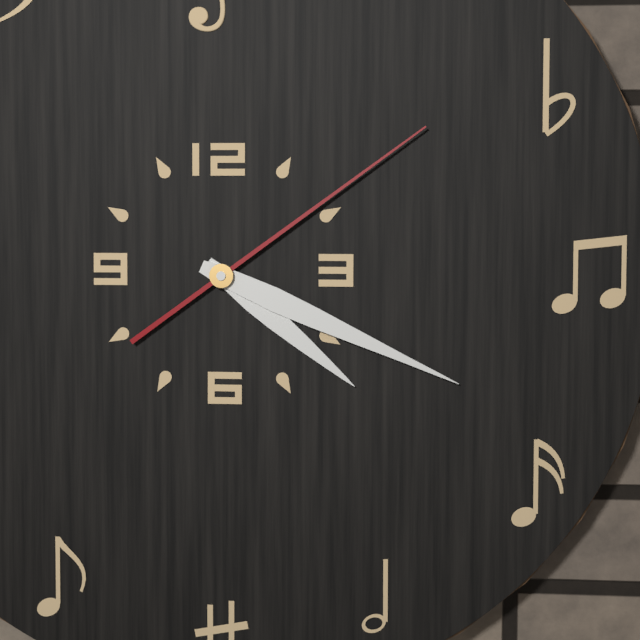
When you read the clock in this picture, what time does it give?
4:19:09
